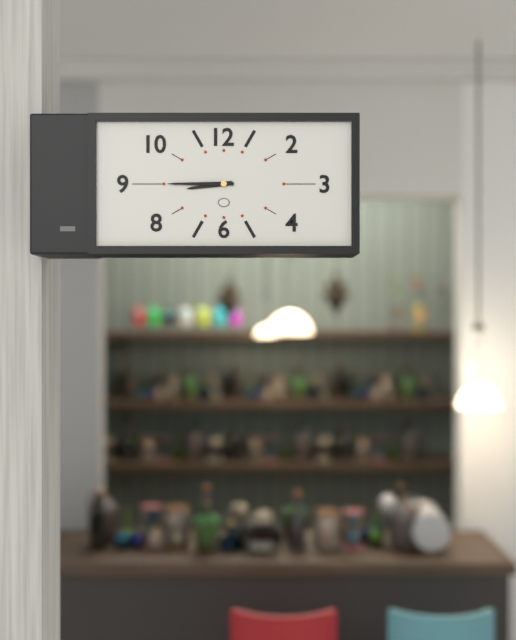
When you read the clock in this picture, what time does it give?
8:45
